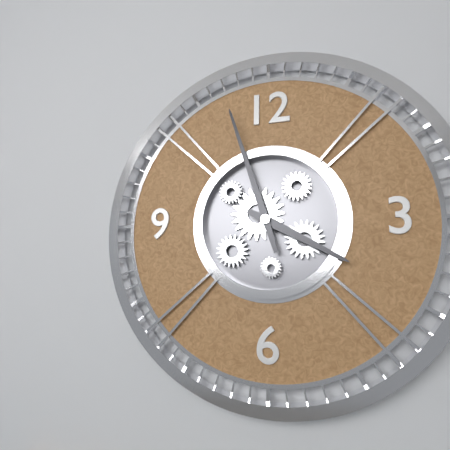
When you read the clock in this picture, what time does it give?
3:57
